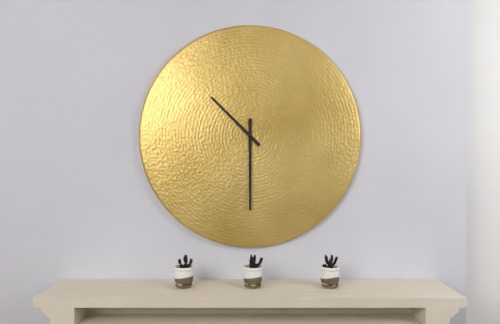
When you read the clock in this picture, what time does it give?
10:30
